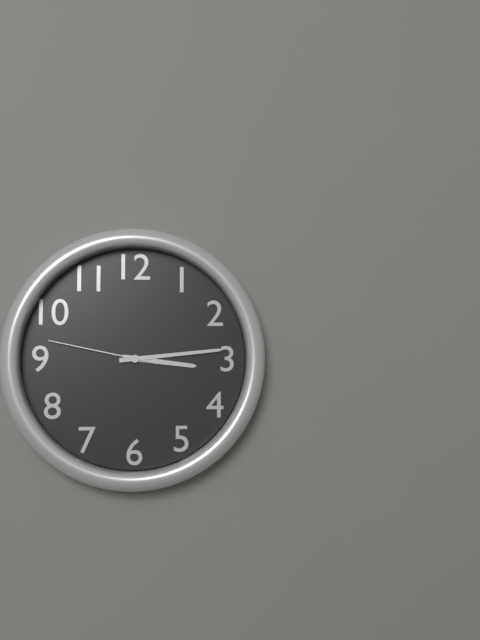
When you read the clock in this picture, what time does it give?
3:14:47
